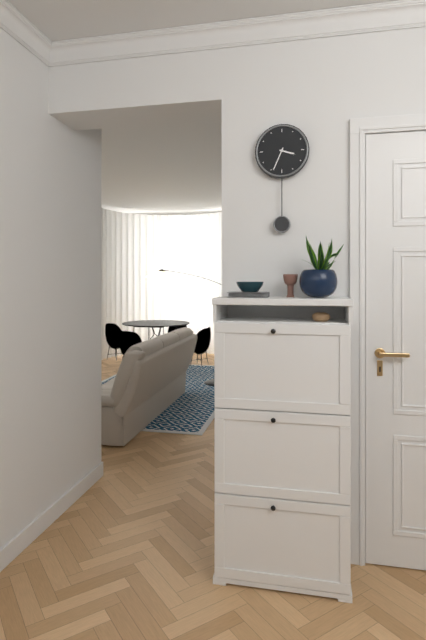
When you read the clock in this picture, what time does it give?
3:34
